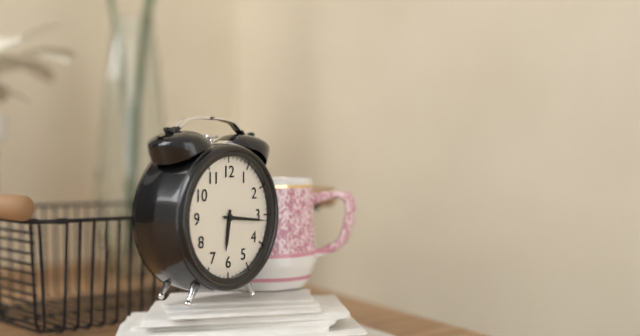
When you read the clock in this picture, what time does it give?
6:16
